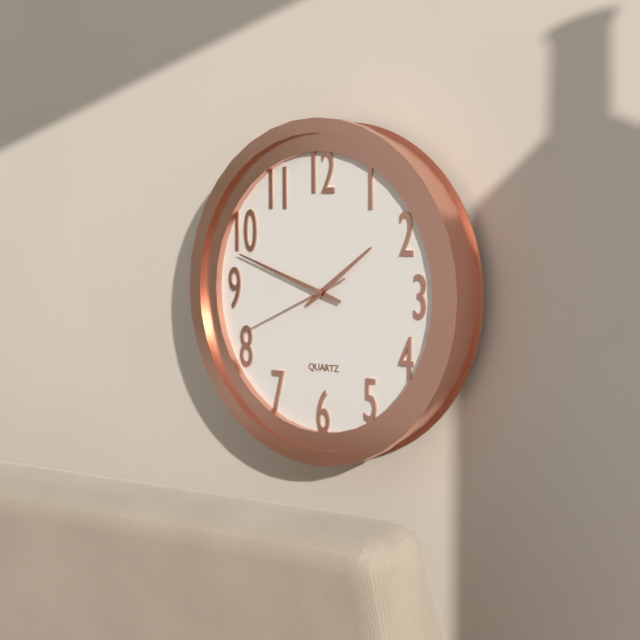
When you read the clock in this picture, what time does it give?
1:48:41
